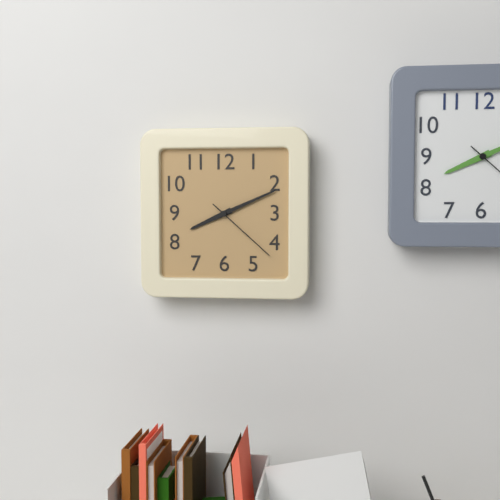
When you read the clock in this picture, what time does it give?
8:11:22
